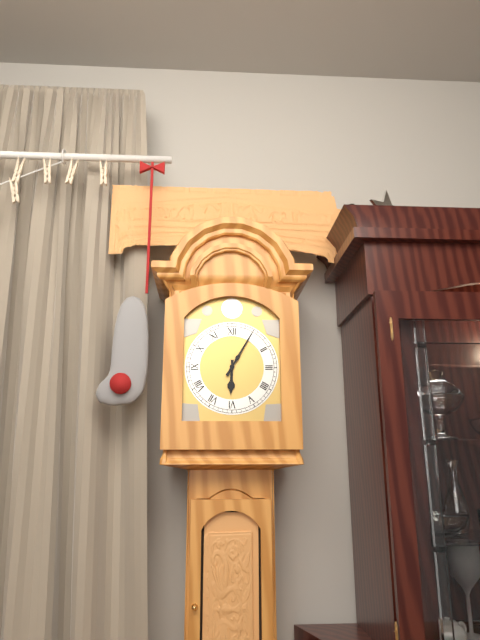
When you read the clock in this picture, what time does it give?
6:05
